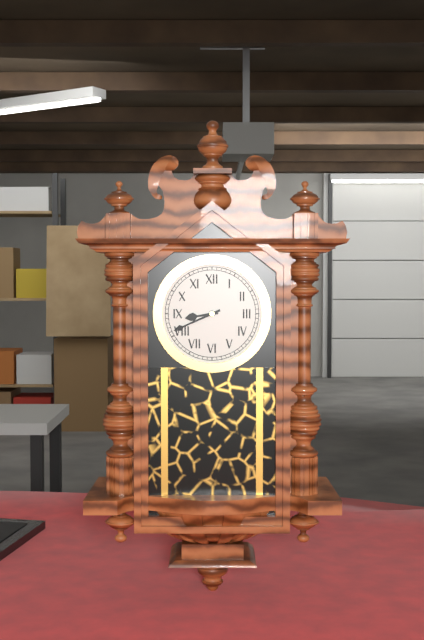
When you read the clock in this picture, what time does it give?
8:41
